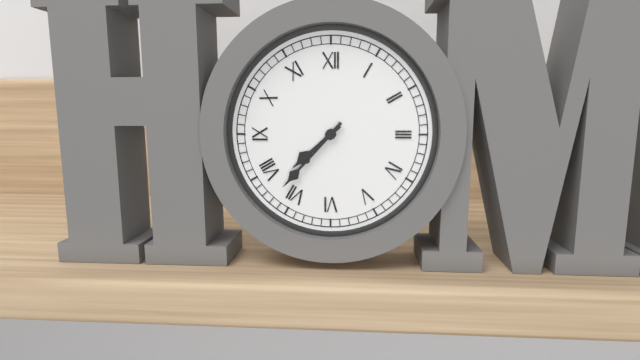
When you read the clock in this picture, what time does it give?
7:37
